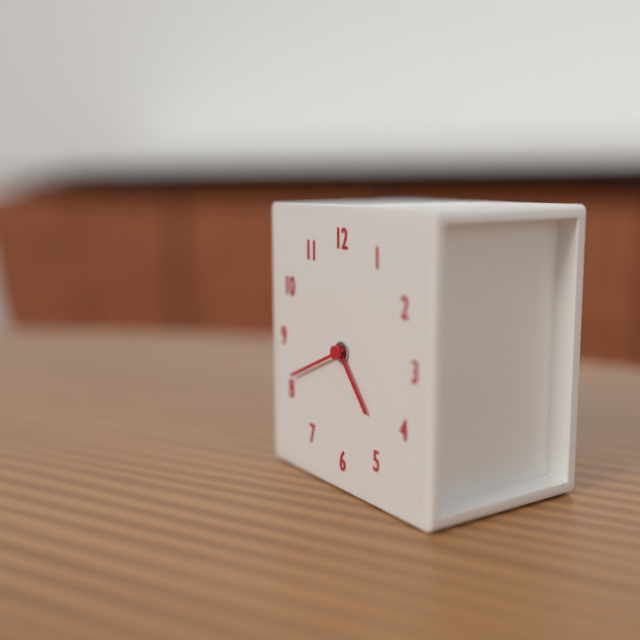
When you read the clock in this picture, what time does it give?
4:41
